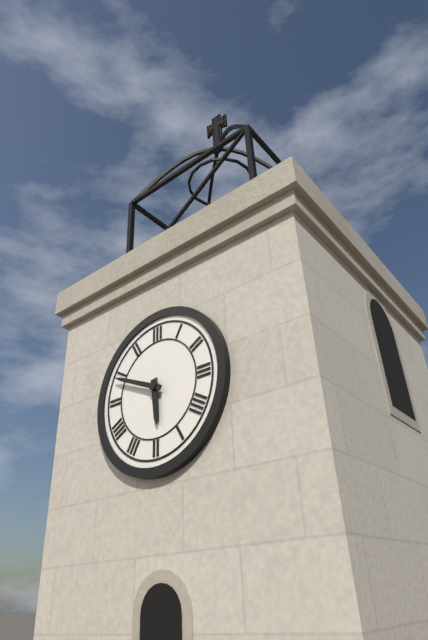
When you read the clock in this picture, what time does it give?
5:49
